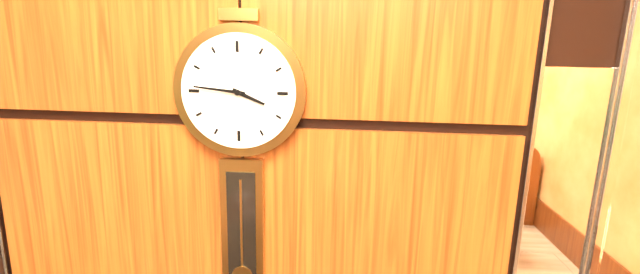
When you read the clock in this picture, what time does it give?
3:46
